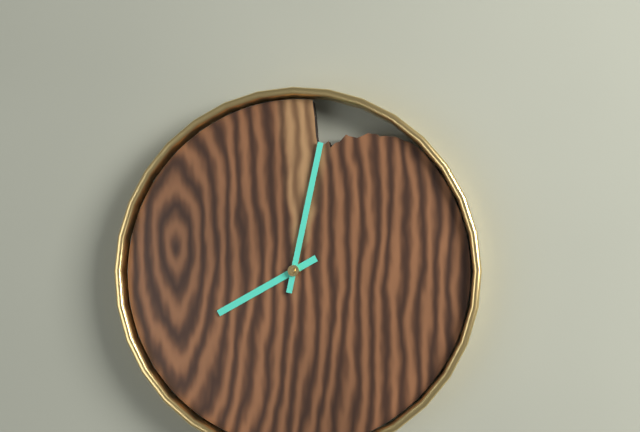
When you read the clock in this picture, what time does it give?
8:02
